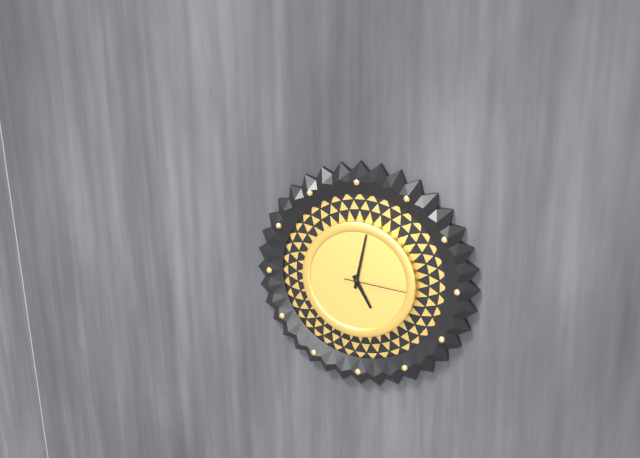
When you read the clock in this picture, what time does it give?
5:02:16
